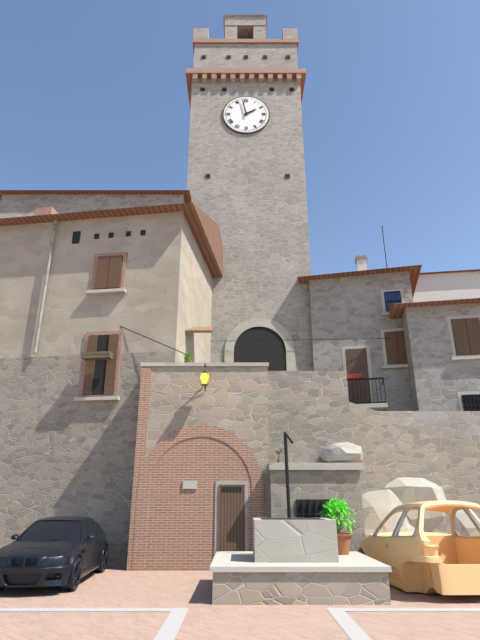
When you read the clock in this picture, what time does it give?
1:58
